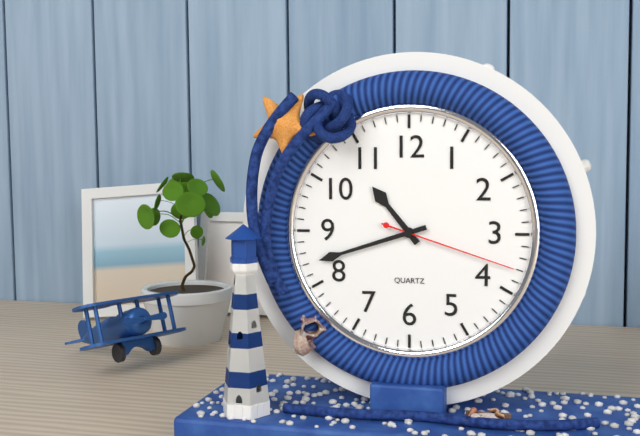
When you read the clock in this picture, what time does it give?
10:42:18
